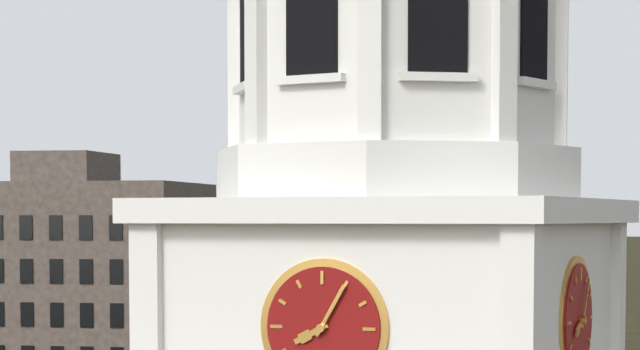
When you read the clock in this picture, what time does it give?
8:05
